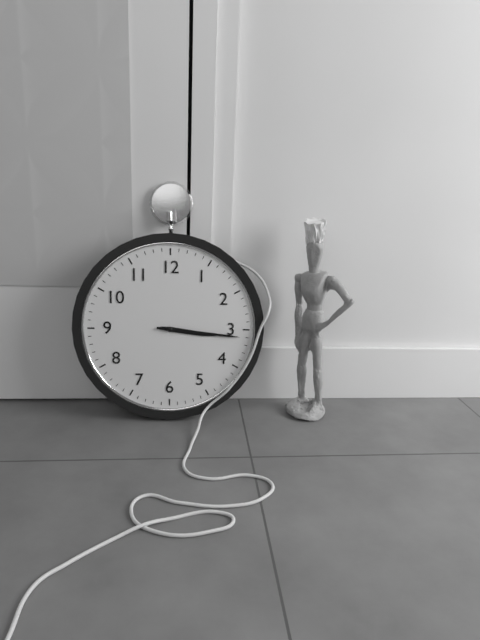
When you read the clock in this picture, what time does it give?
3:16
